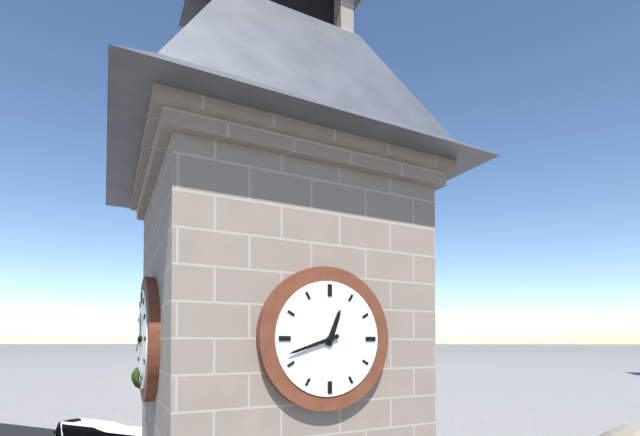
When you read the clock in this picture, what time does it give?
12:42
